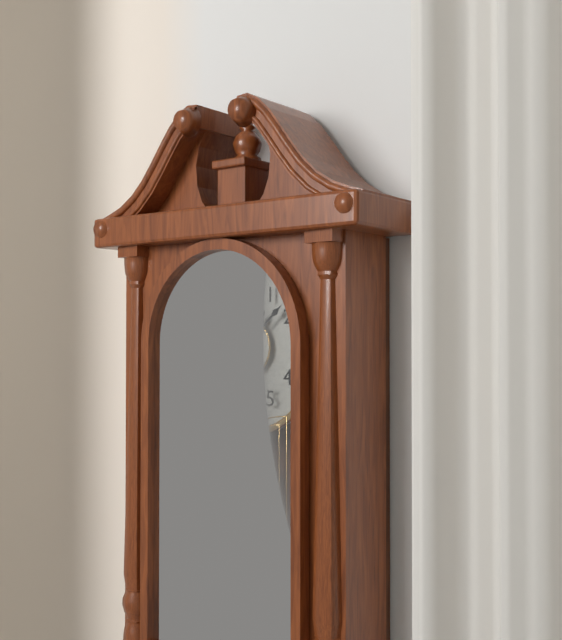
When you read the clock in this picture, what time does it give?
1:08
